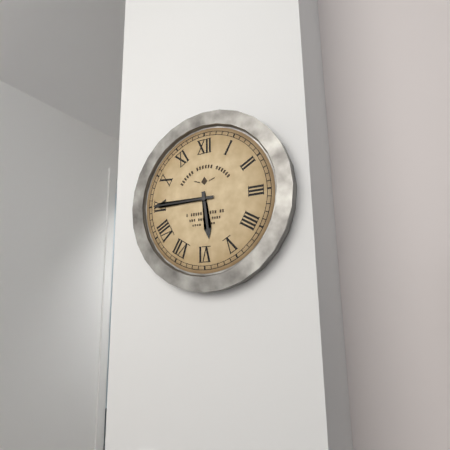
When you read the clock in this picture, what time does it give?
5:45
